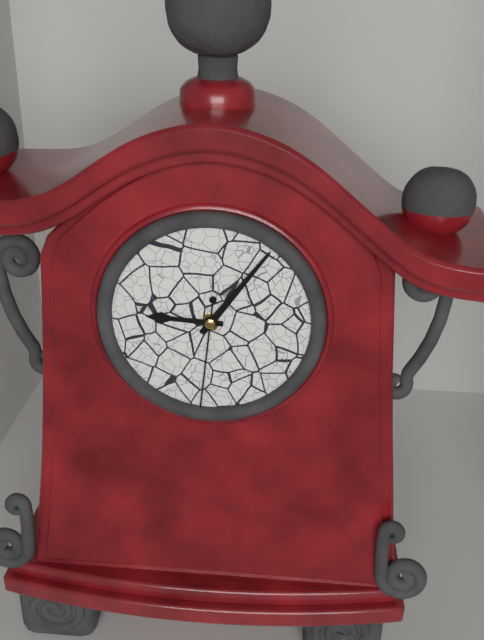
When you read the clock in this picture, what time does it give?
9:06:31
